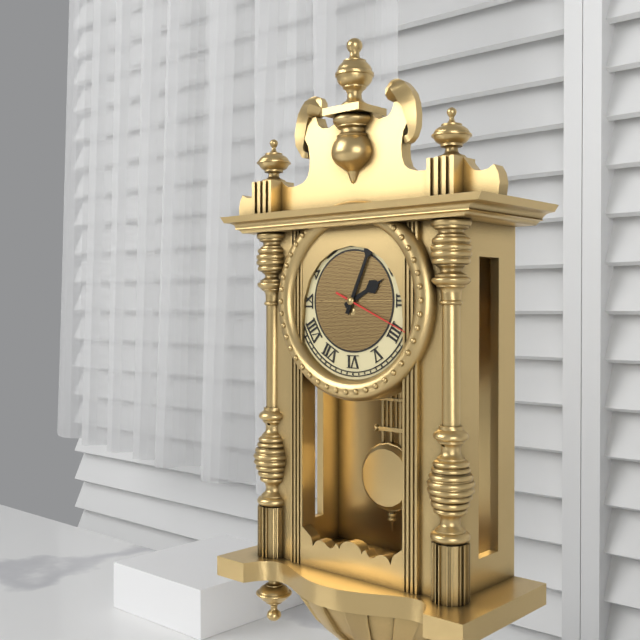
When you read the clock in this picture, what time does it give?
2:04:19
